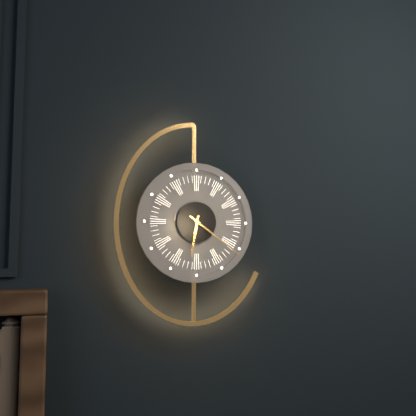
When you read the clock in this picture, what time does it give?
6:21
